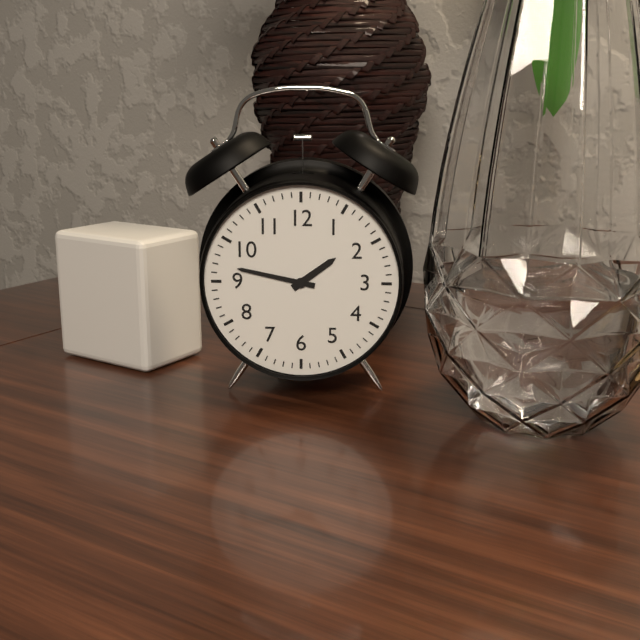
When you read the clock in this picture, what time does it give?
1:47
